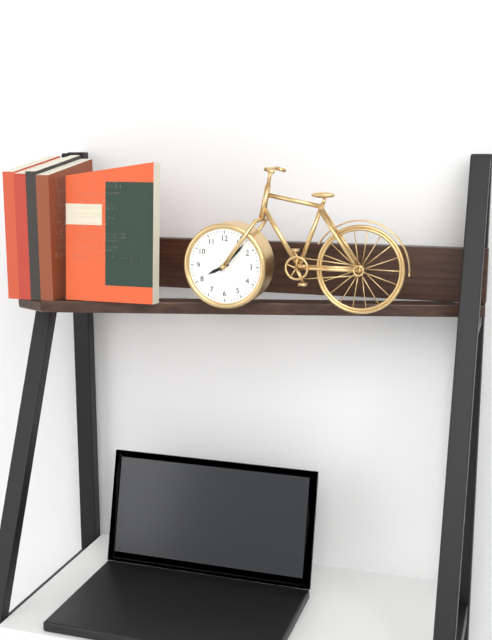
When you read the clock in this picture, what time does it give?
8:07
